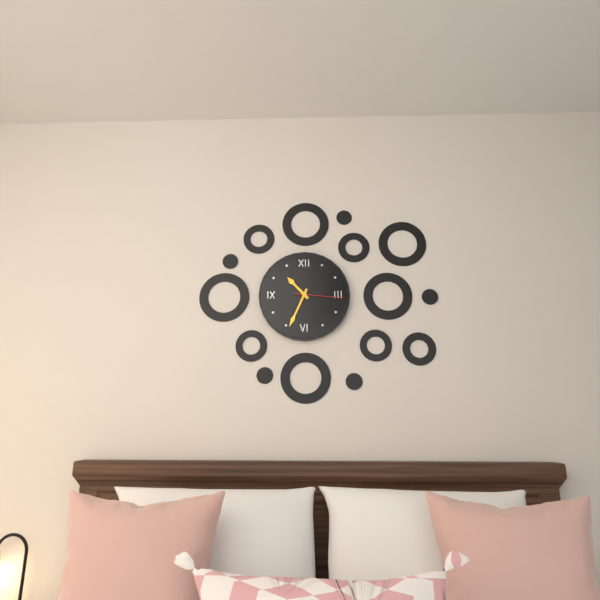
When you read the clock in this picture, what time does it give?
10:34
